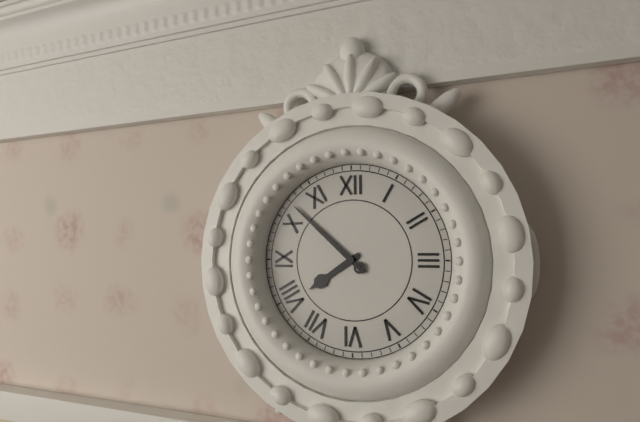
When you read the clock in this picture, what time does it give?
7:52
